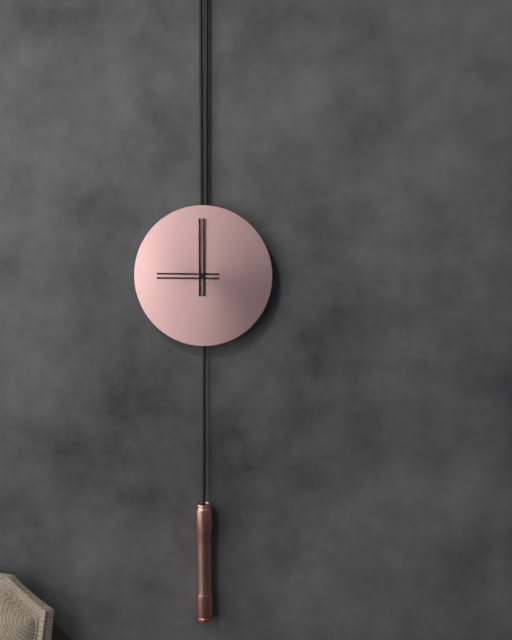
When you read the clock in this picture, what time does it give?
9:00
